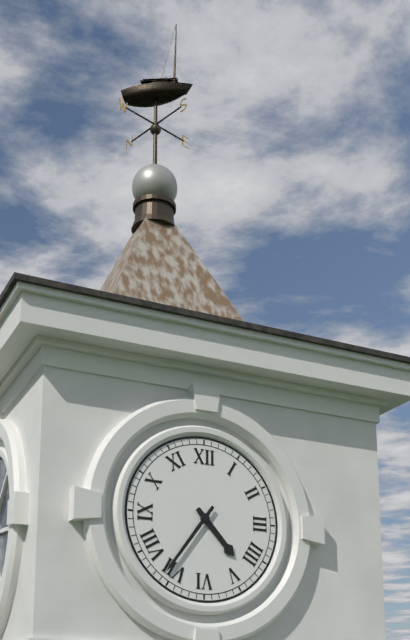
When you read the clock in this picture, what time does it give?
4:36
